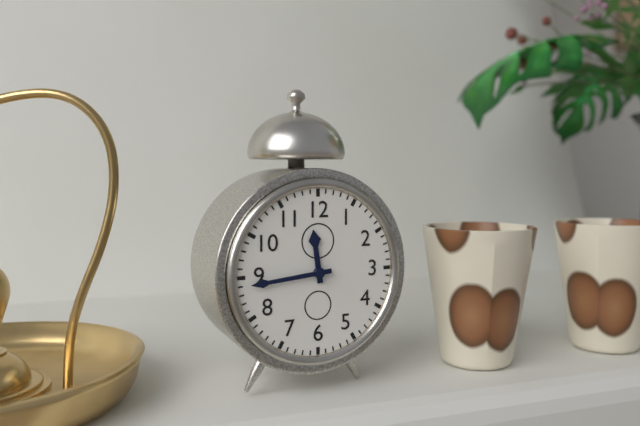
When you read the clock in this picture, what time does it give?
11:44
